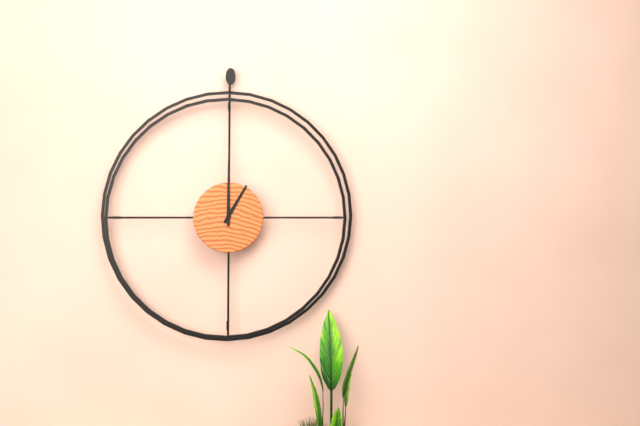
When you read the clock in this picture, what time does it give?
1:00
